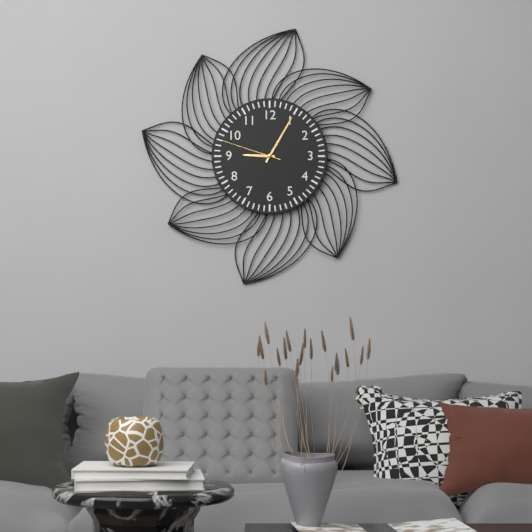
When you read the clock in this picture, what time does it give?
9:05:48
